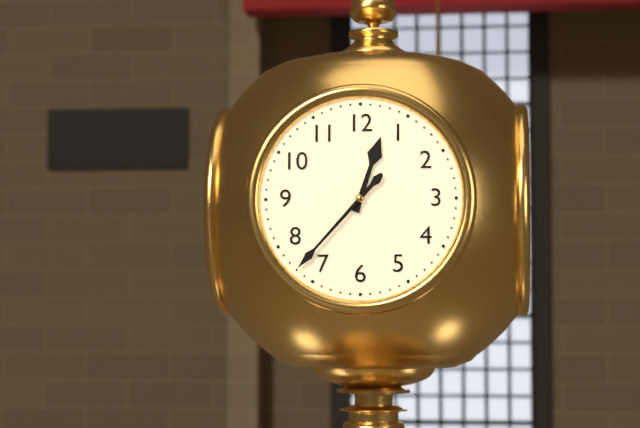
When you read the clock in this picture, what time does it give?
12:37
